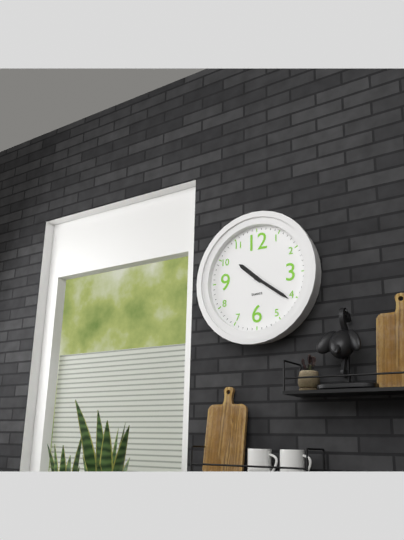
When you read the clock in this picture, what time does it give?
10:21
